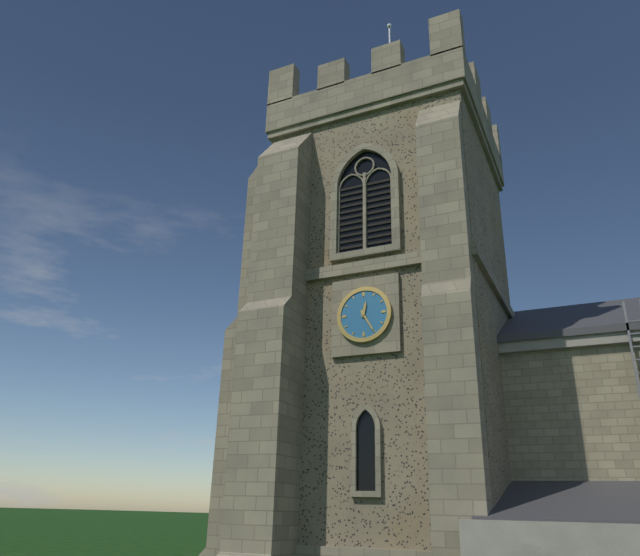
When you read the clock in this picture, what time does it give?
12:25
